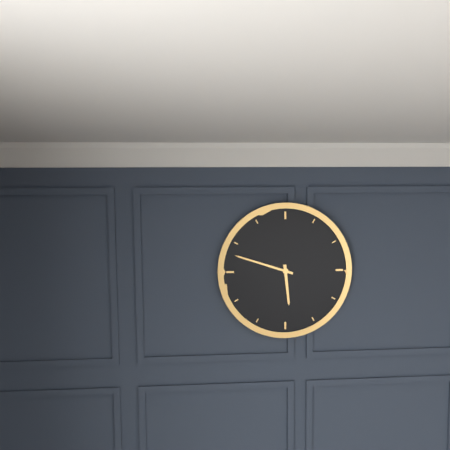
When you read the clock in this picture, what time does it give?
5:48
